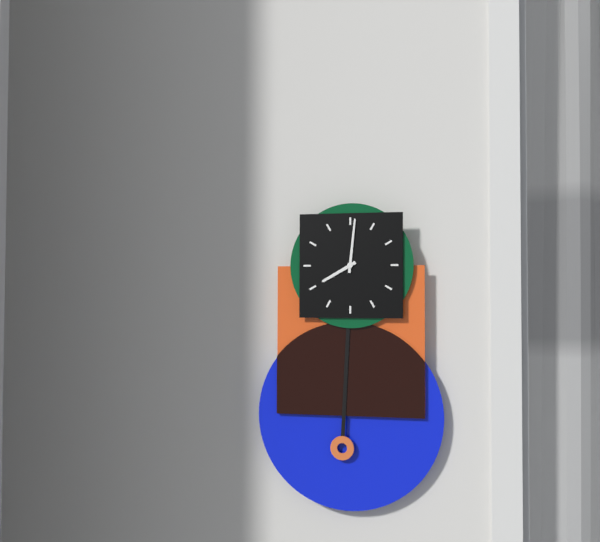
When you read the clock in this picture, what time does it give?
8:01
